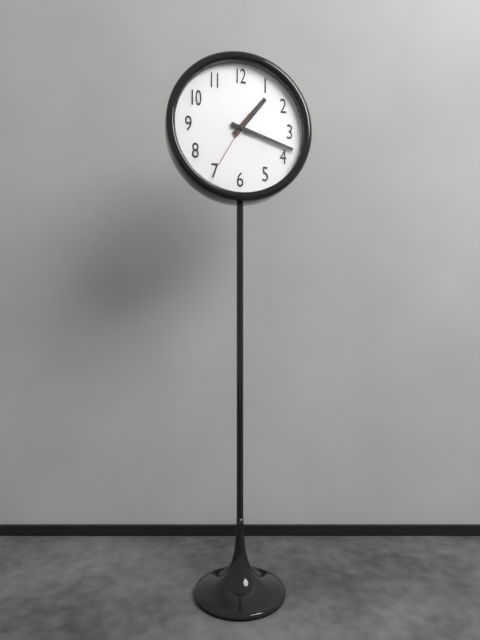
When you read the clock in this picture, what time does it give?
1:18:35
